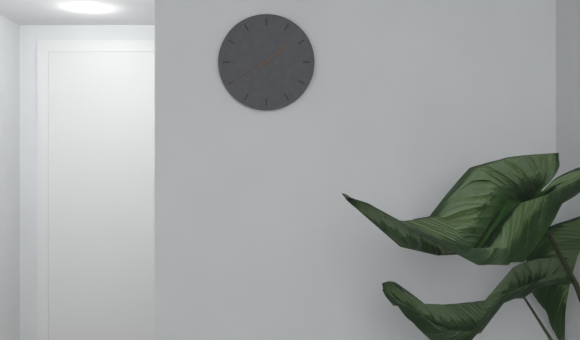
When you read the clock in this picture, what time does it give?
1:40
